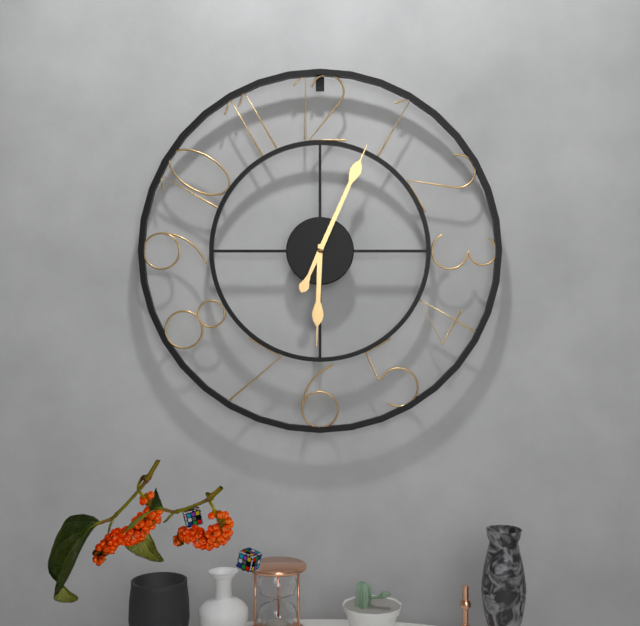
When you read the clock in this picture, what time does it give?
6:04
